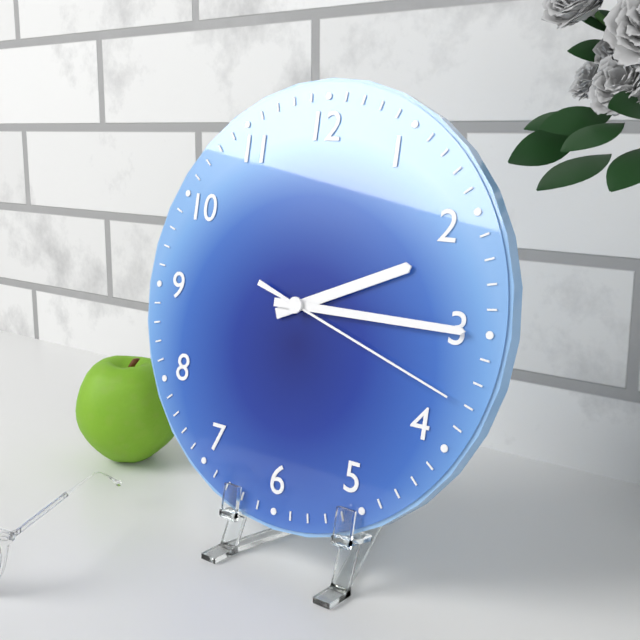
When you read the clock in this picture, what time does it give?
2:15:18
